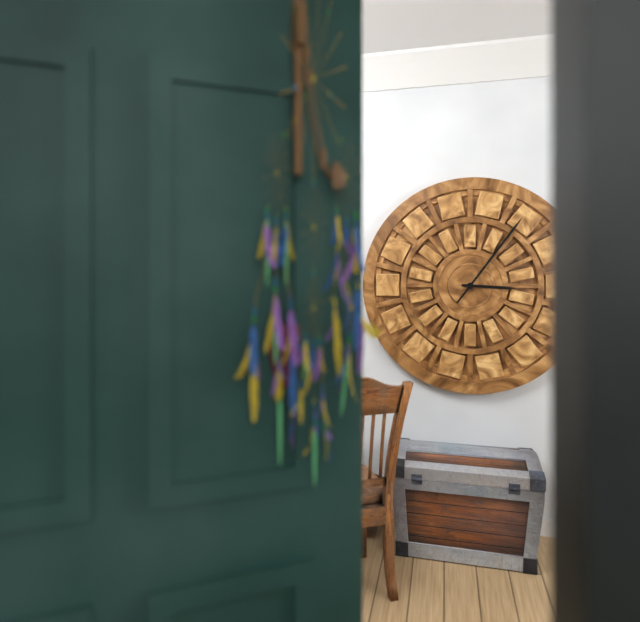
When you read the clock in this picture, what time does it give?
3:06
